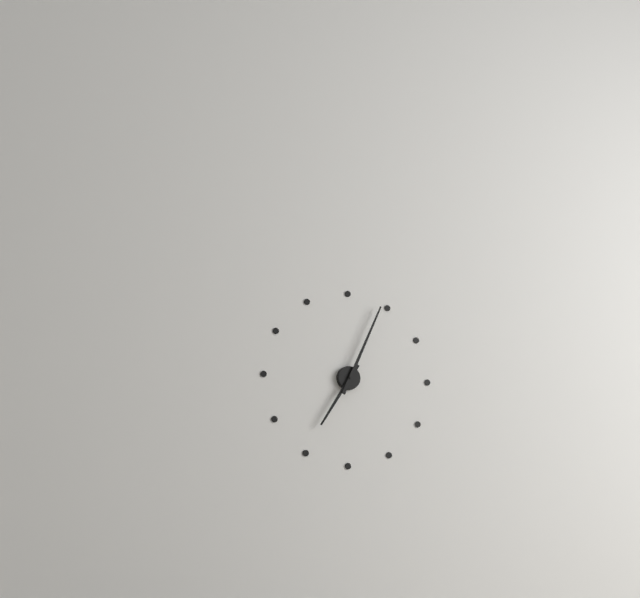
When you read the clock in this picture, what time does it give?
7:04
